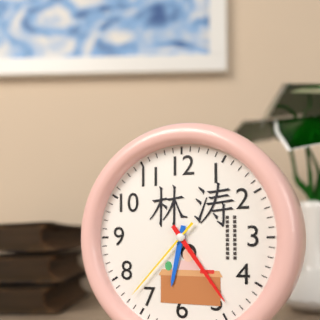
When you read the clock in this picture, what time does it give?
6:24:37
